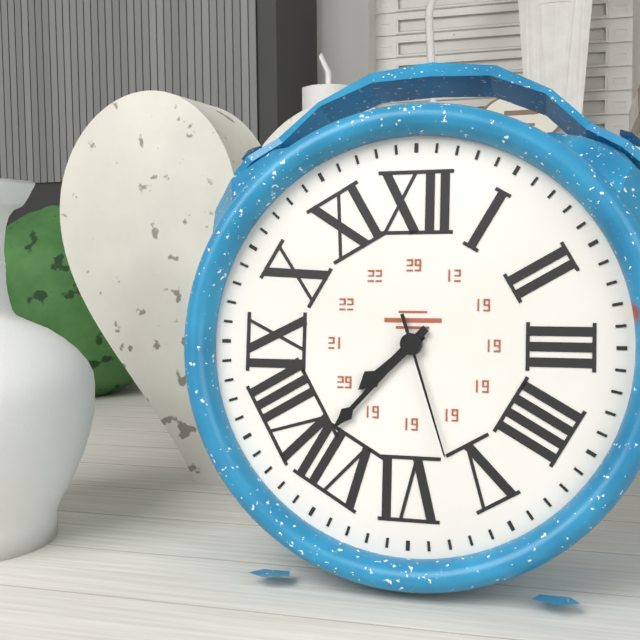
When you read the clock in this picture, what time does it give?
7:37:27
